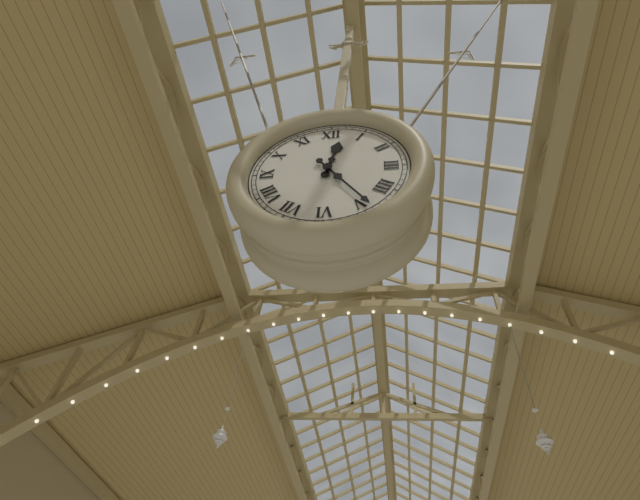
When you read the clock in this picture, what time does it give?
12:24
